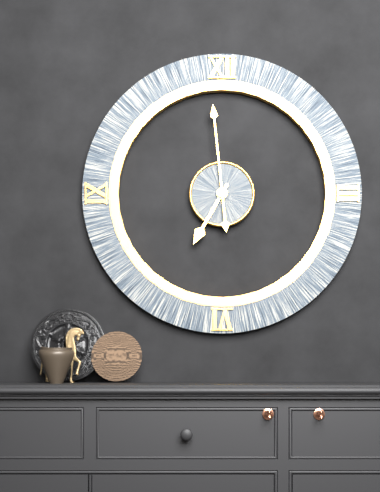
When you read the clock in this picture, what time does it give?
6:59
